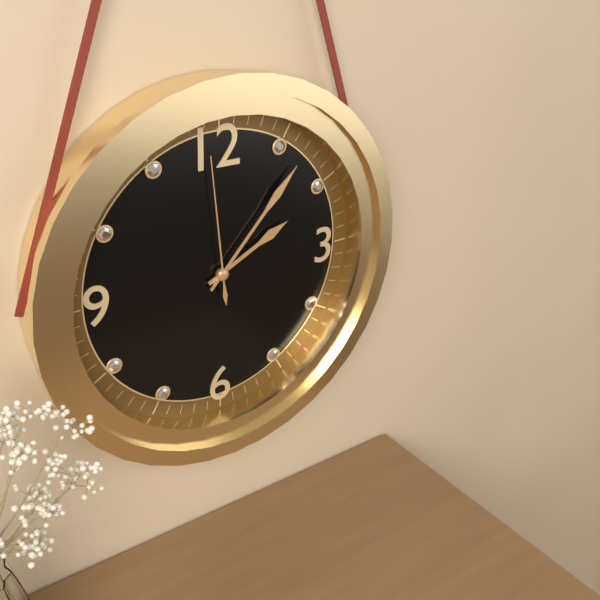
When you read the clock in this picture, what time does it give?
2:07:59
